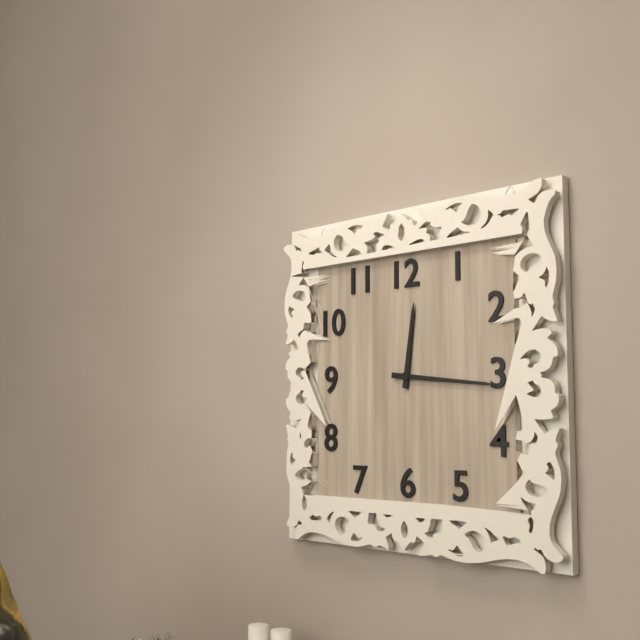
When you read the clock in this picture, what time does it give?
12:16
